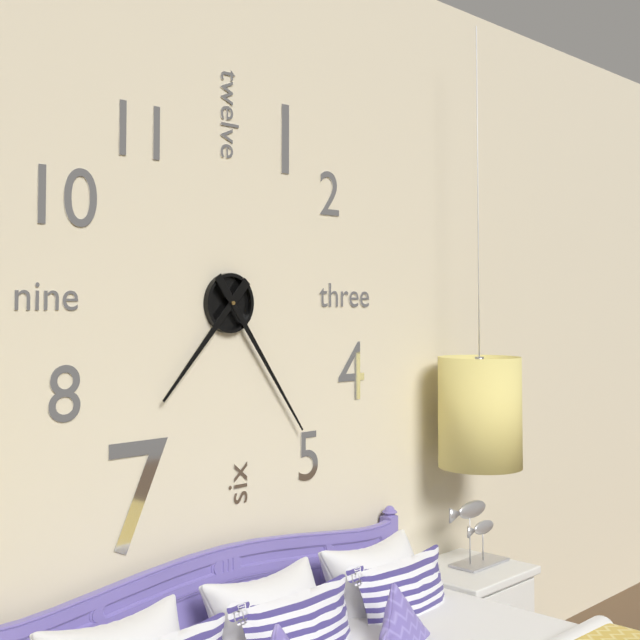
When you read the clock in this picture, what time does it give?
7:24
